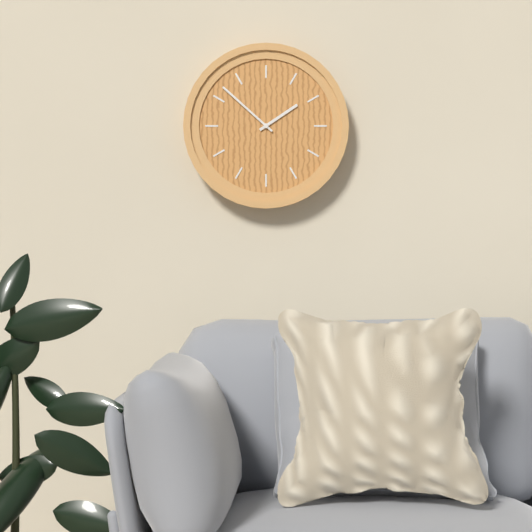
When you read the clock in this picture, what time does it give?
1:52
